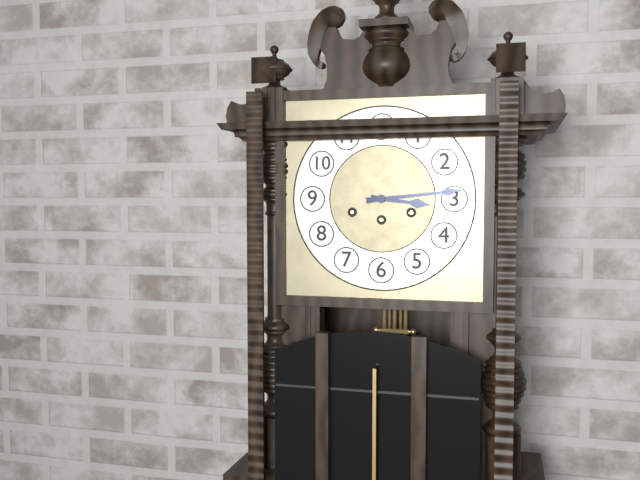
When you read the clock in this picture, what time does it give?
3:14
